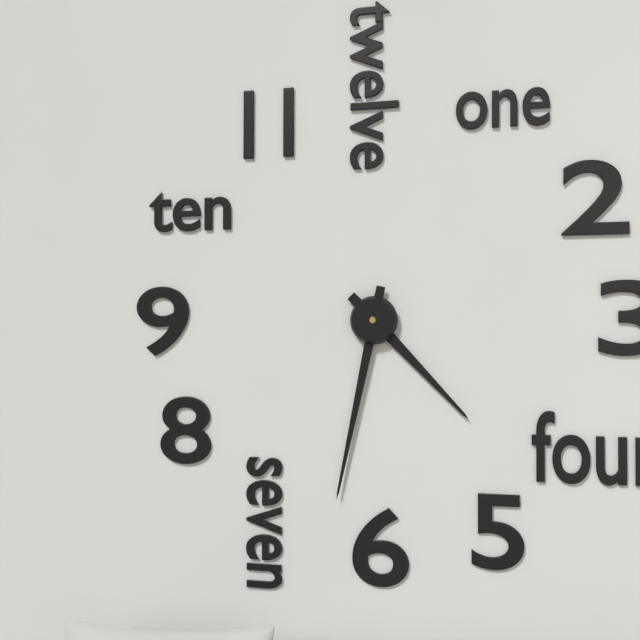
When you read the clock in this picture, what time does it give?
4:32
